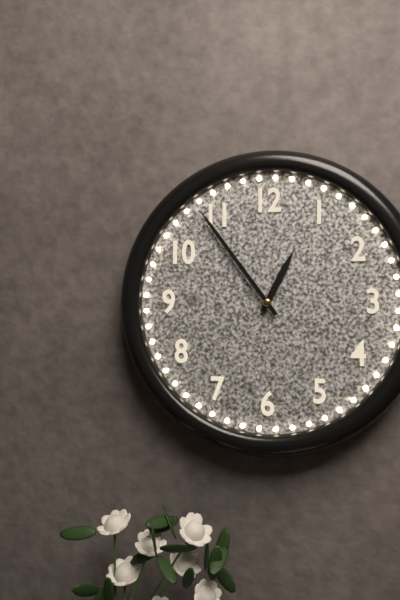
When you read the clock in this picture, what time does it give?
12:54
